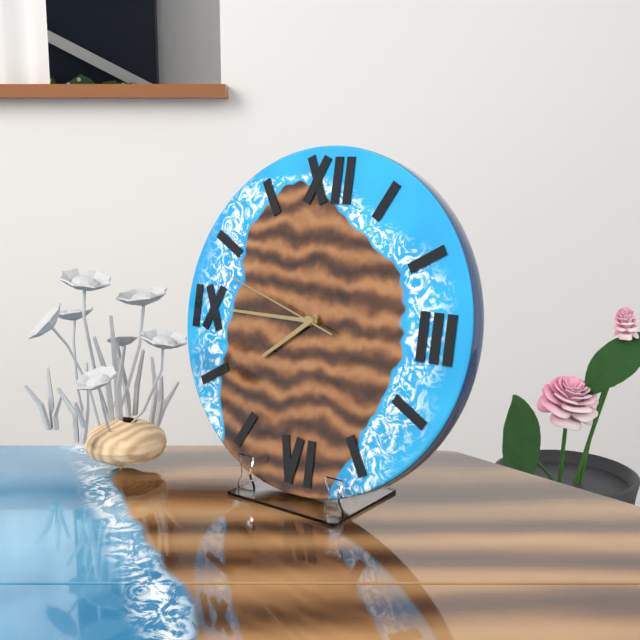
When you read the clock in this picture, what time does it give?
7:45:48
